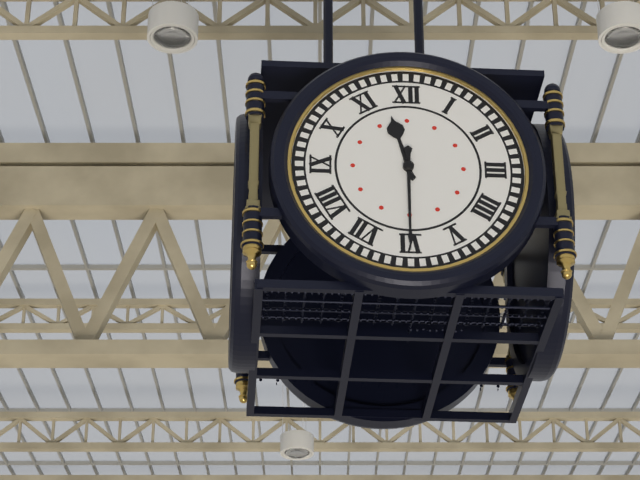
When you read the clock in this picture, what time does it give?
11:30
